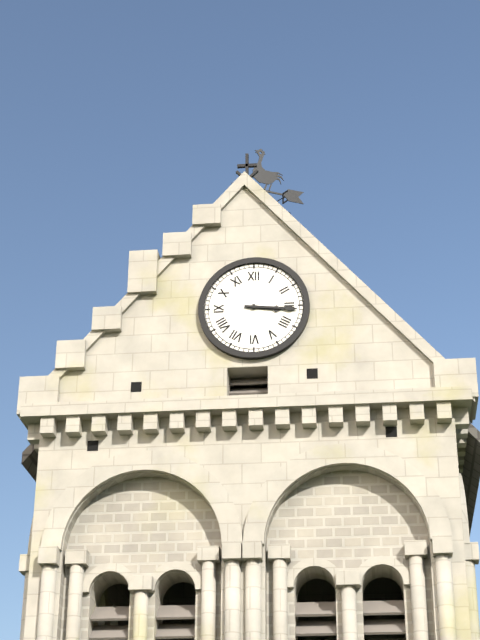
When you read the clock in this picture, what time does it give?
3:16
